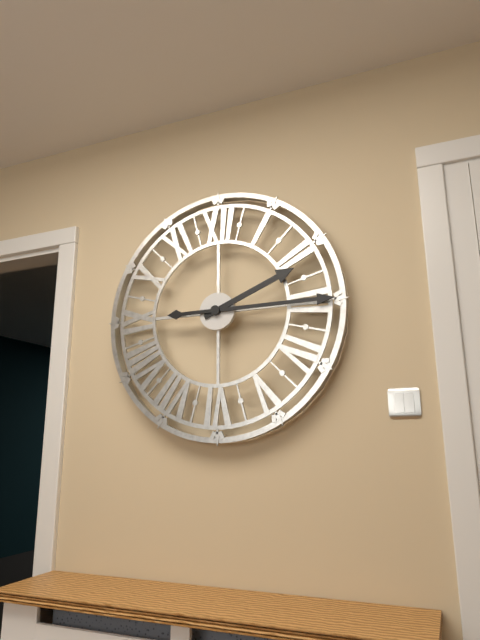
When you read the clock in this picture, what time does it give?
2:15
